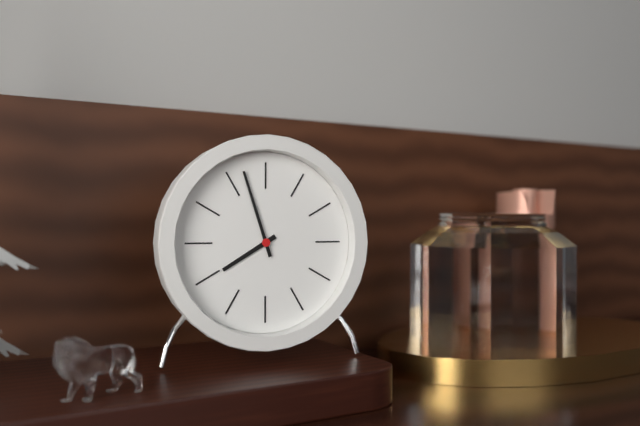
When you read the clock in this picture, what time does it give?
7:57
